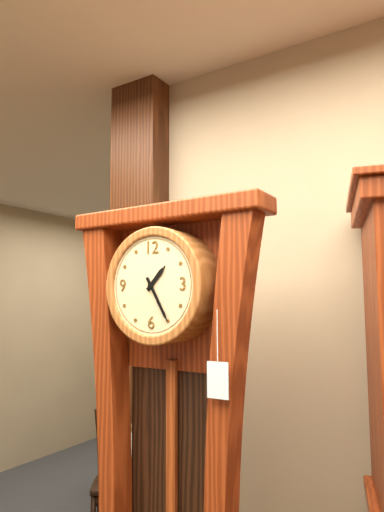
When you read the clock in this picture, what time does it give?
1:25
